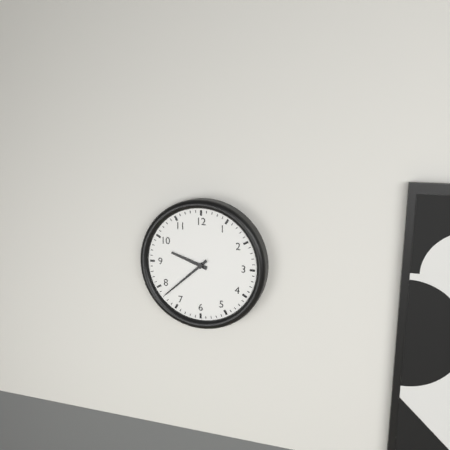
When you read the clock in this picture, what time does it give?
9:38
